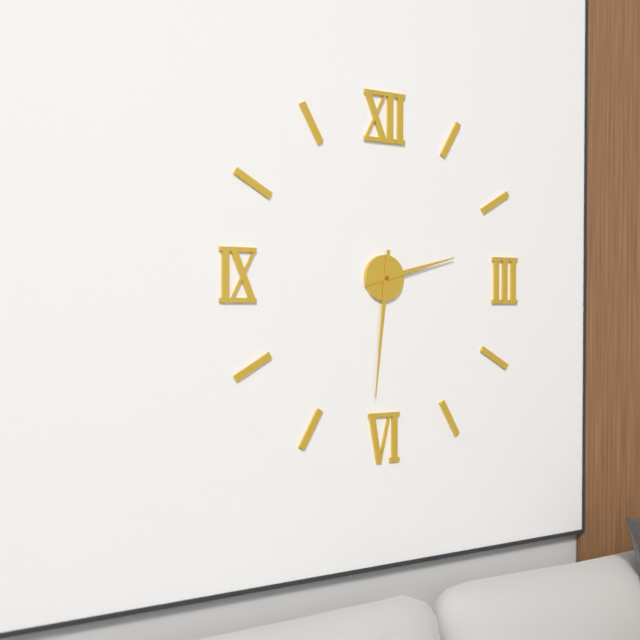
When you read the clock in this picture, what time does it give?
2:31
